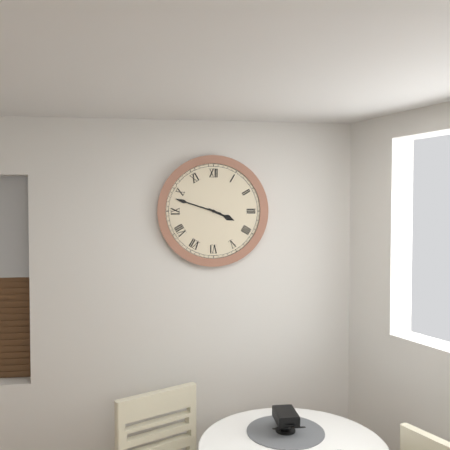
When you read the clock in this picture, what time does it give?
3:48
